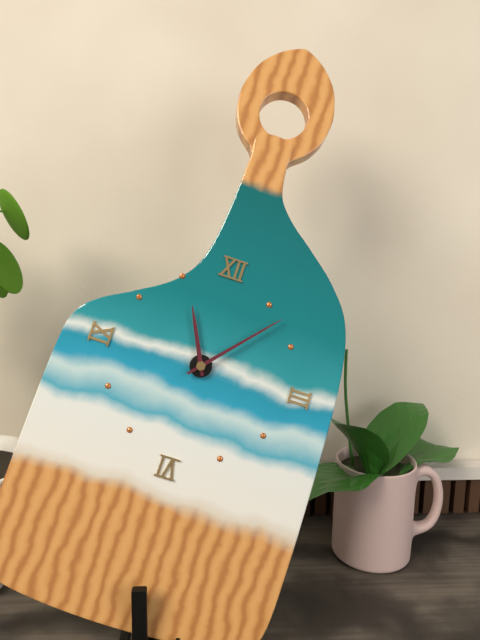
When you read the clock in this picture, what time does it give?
11:07
